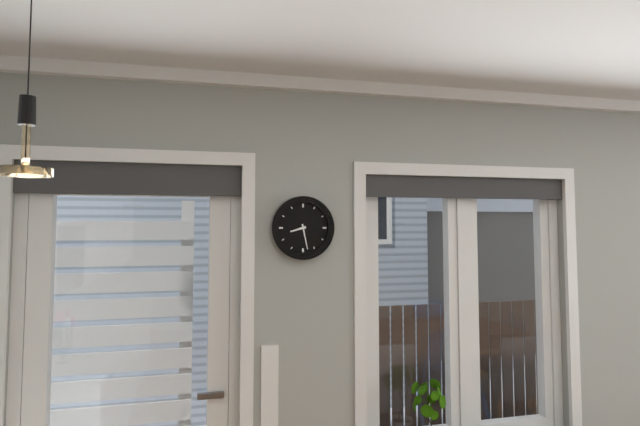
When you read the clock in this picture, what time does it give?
8:28
